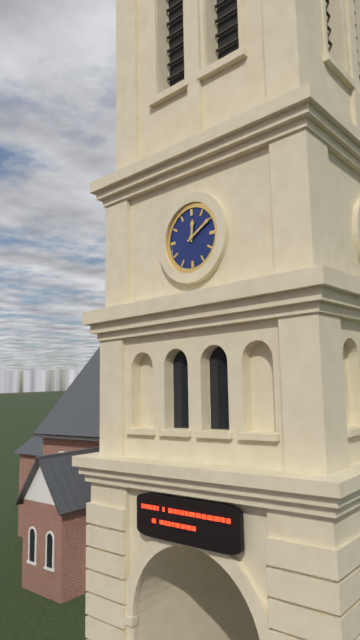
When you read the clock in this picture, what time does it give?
12:10
